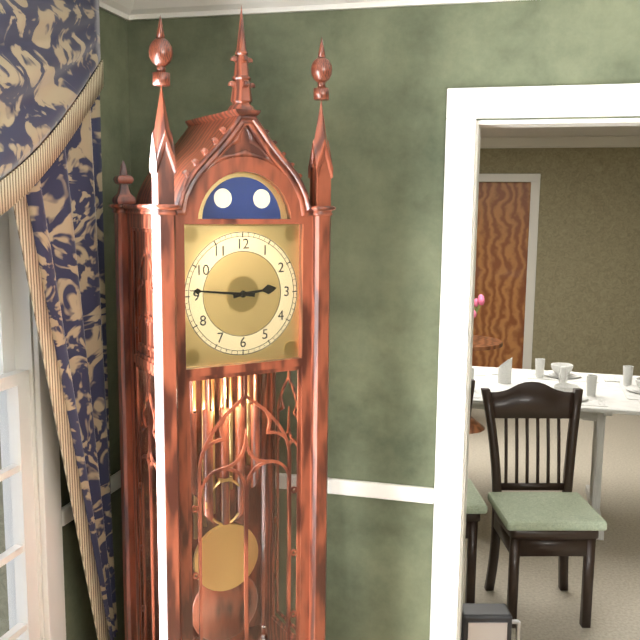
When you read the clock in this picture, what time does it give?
2:46
